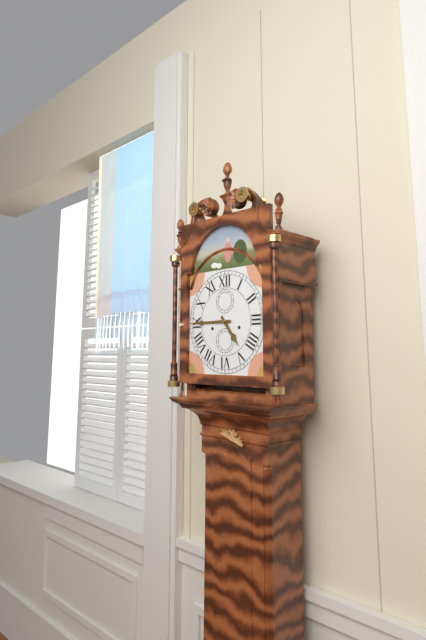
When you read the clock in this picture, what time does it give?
4:45
